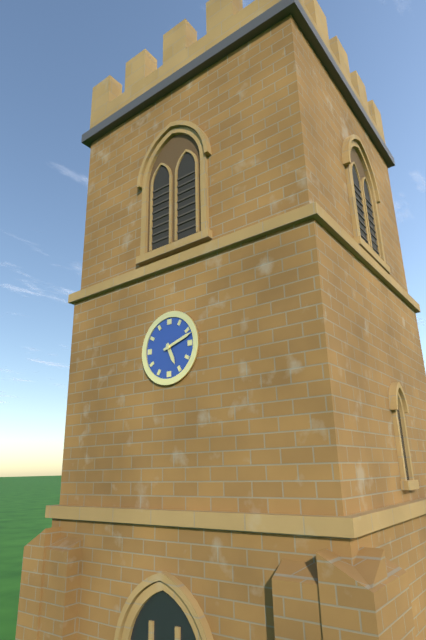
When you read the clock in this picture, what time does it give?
5:12
